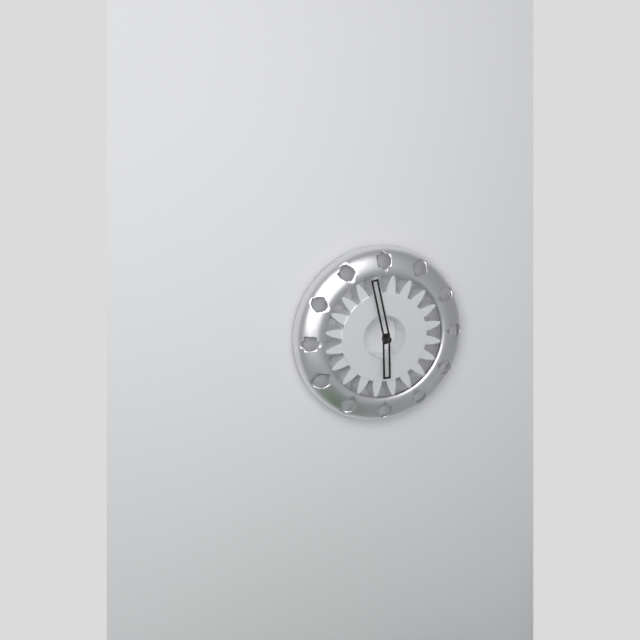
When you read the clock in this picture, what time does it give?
5:58
